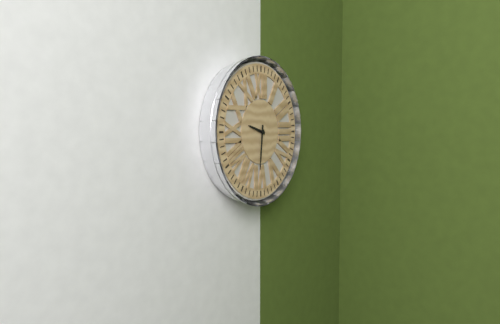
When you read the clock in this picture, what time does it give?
9:31
